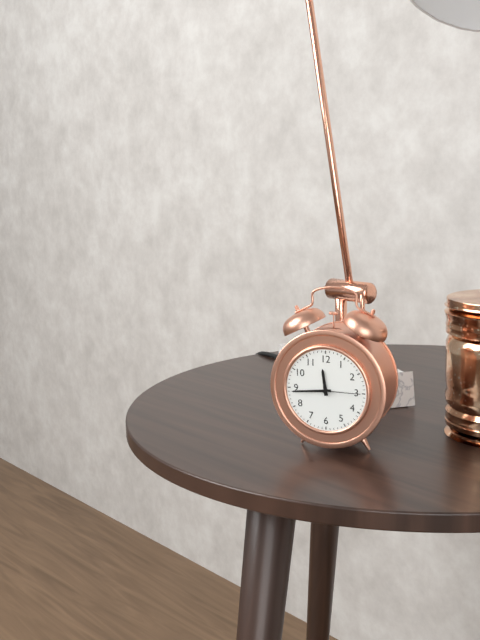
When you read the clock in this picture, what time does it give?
11:44
